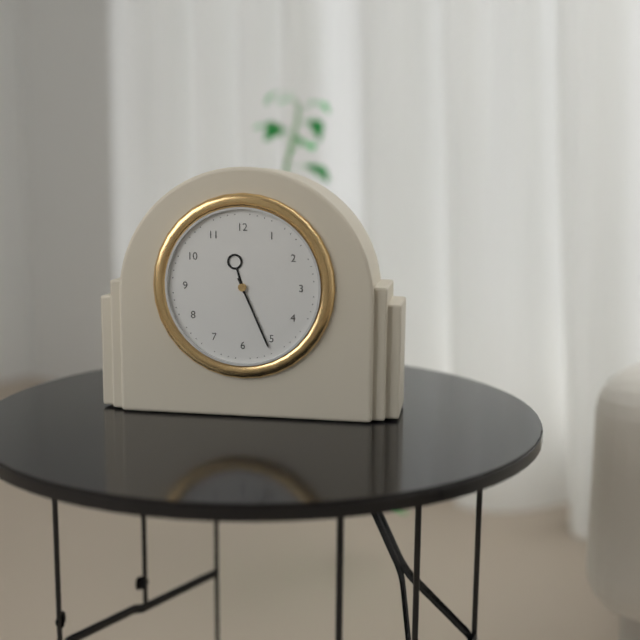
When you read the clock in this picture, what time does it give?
11:26
